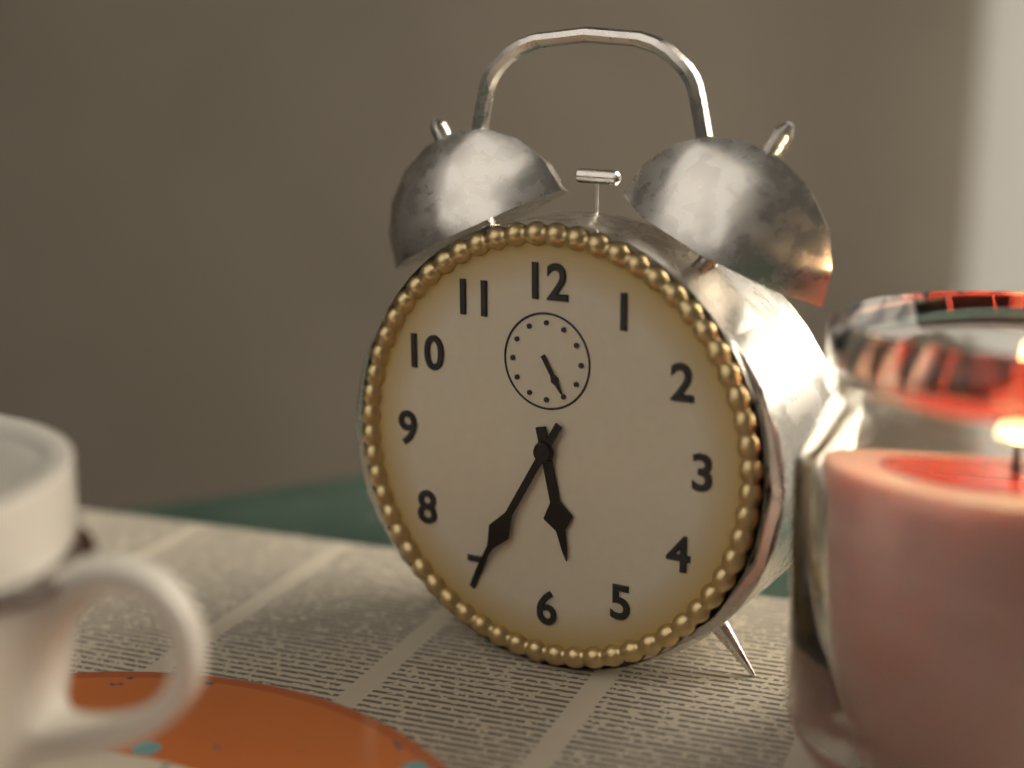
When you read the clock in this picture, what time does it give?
5:35
